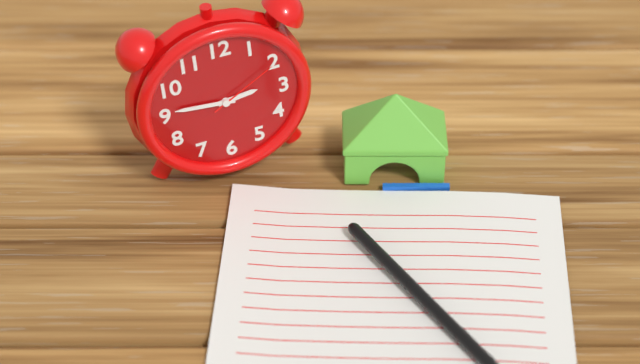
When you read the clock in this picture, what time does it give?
2:46:10
